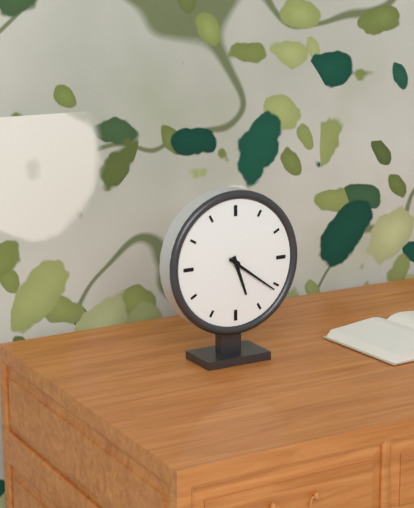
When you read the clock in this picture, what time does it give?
5:21
